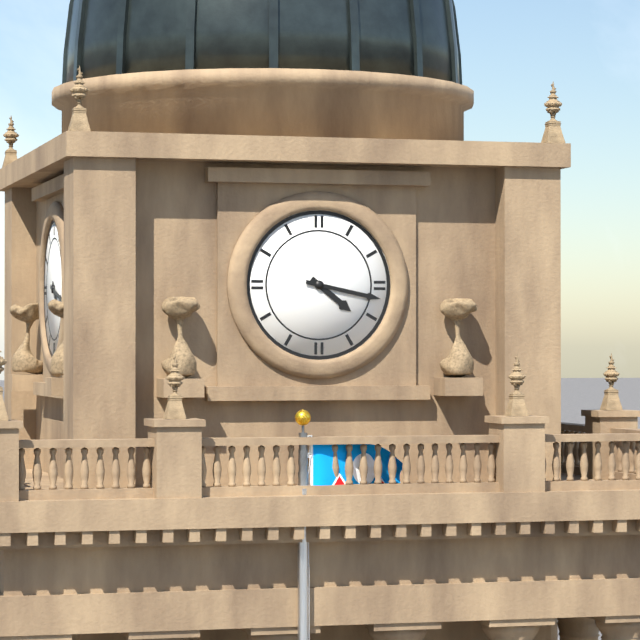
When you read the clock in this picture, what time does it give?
4:17
